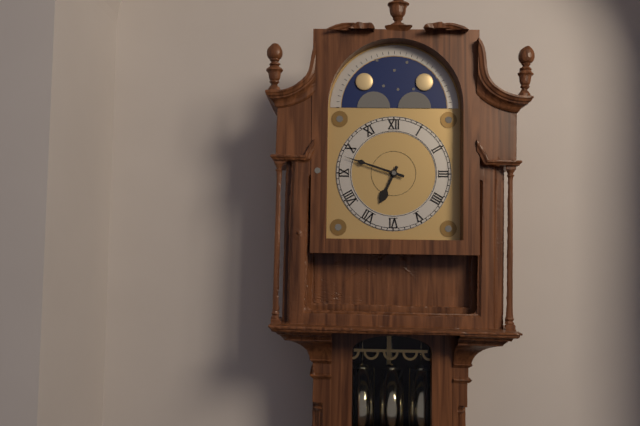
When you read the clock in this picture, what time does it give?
6:48
